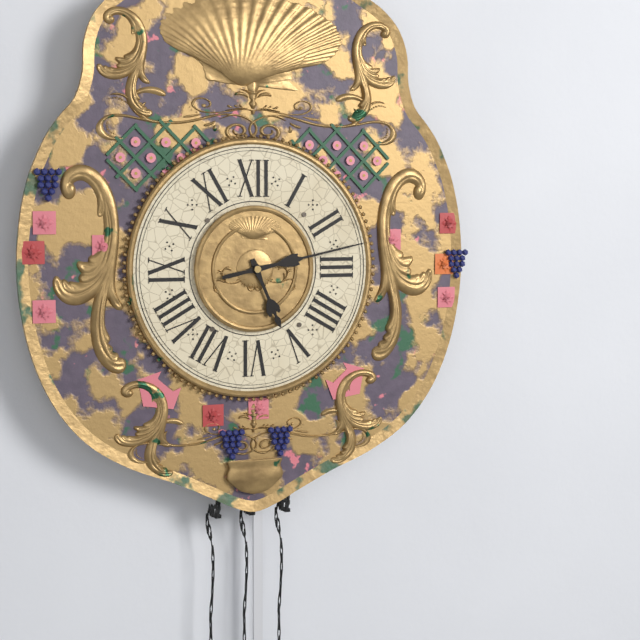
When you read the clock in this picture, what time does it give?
5:13
